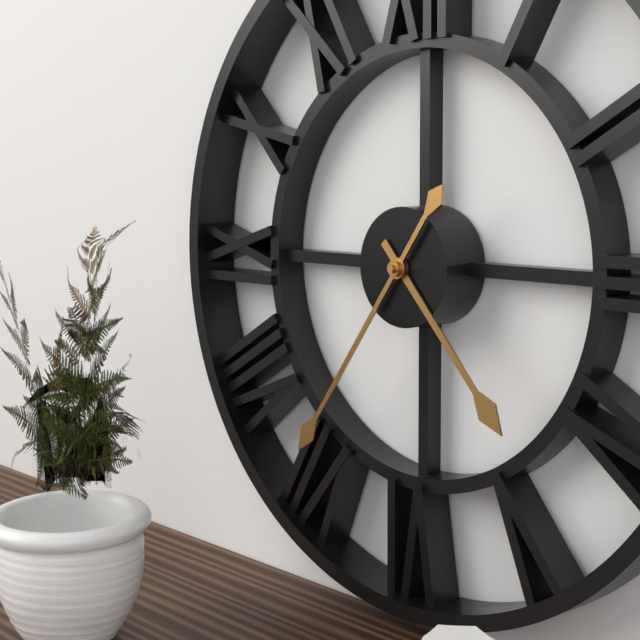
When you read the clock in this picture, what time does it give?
4:36
